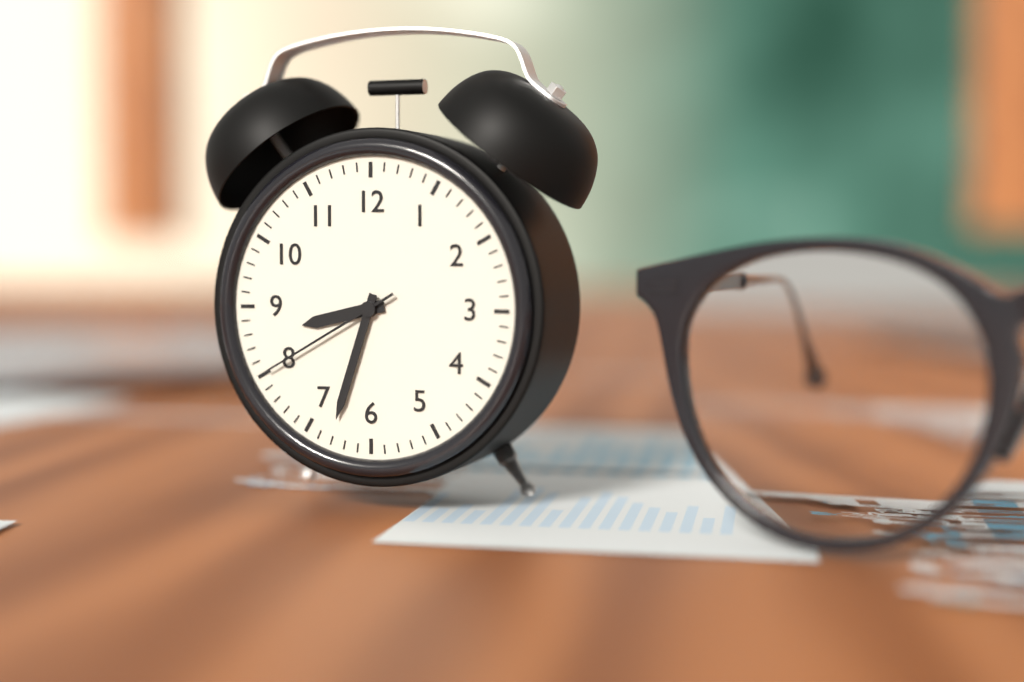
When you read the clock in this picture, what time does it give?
8:33:40
